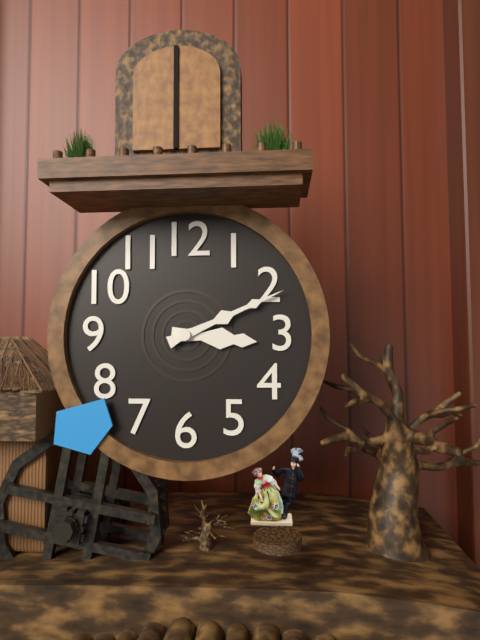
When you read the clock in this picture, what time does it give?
3:11
